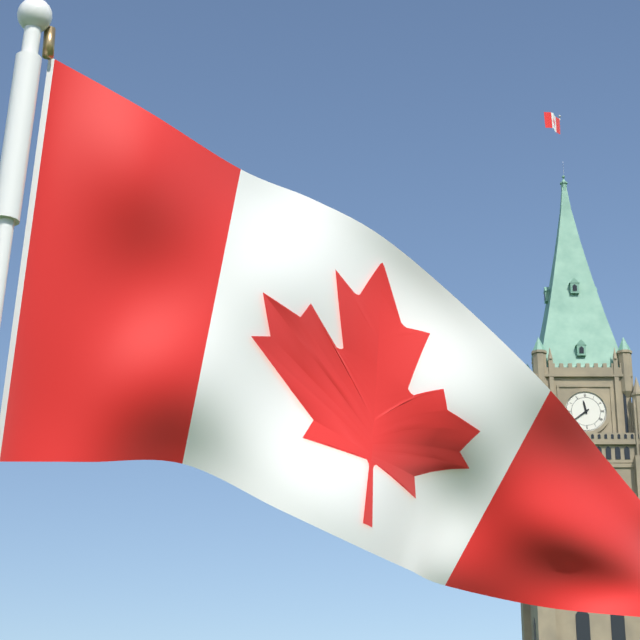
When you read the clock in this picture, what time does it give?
11:39
